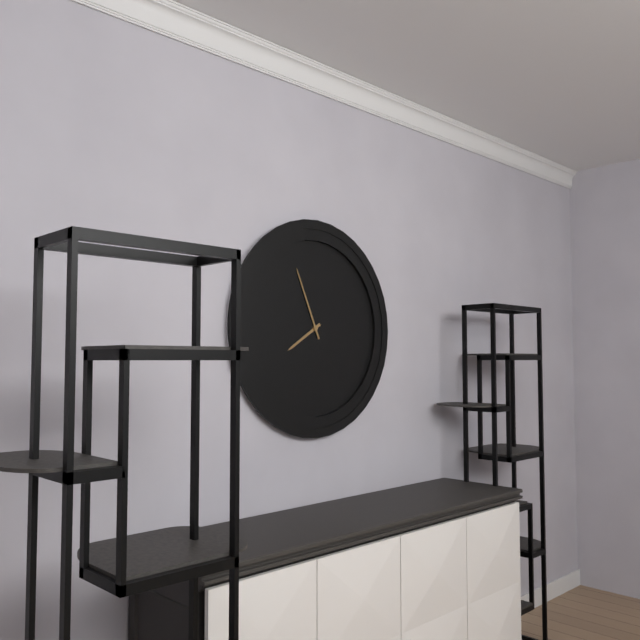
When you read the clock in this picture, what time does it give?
7:56
